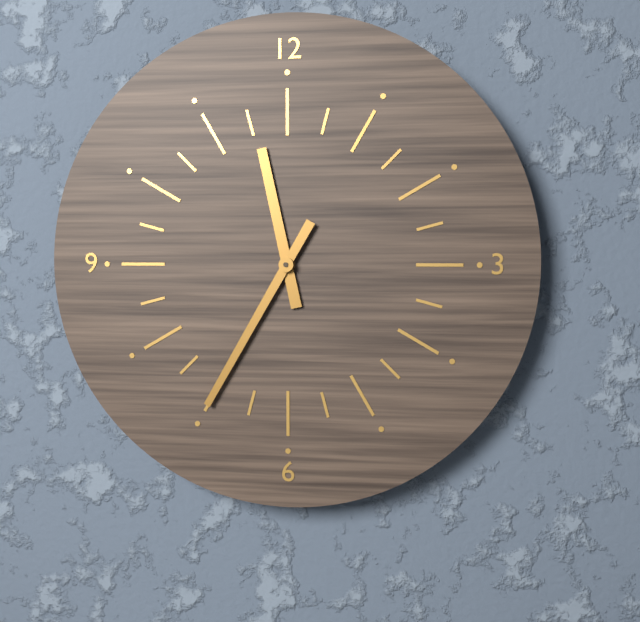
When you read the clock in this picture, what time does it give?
11:35
